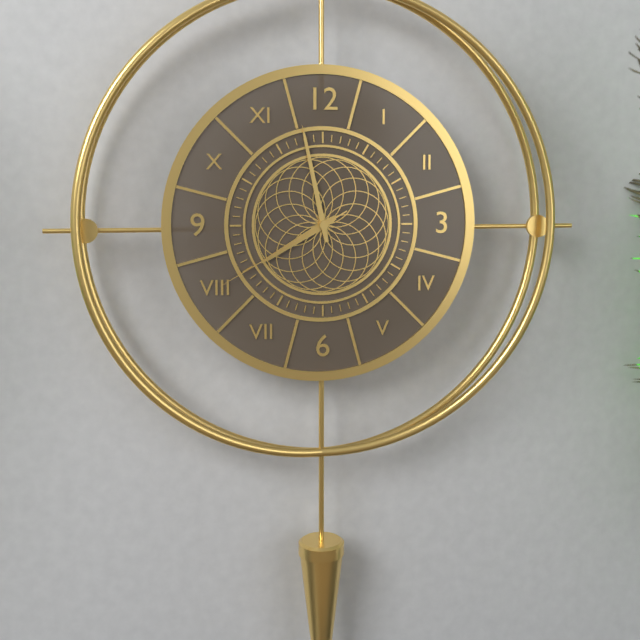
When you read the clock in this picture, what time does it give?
7:58:40
